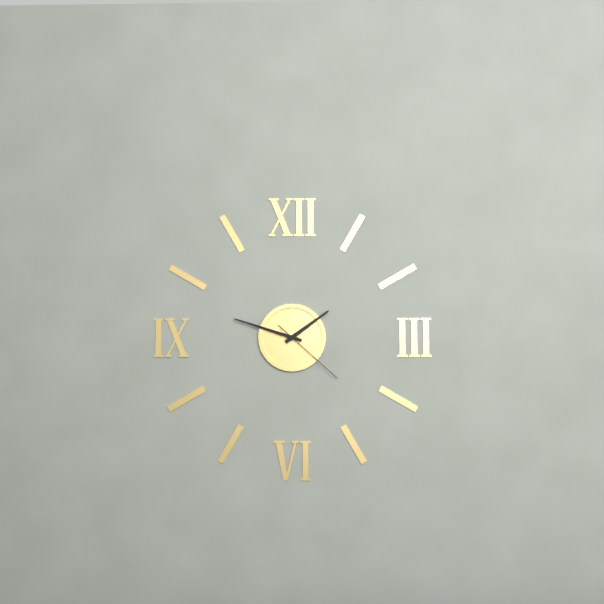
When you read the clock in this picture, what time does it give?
1:48:22
